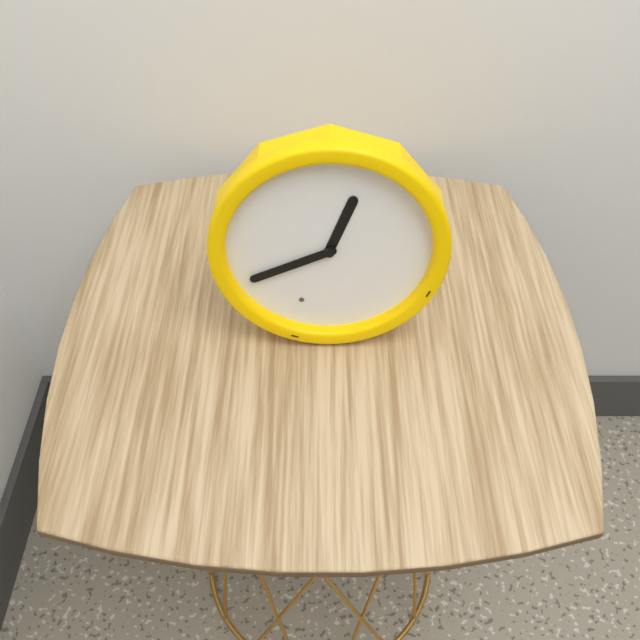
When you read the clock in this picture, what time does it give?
12:41
